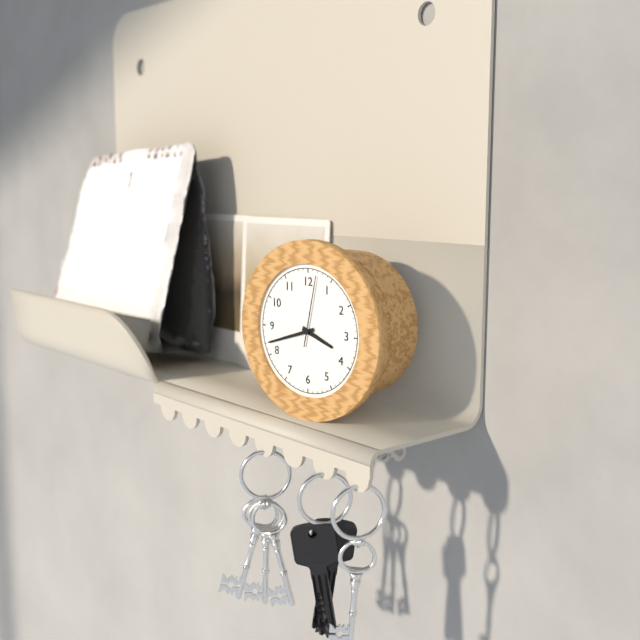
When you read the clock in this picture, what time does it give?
3:42:02
